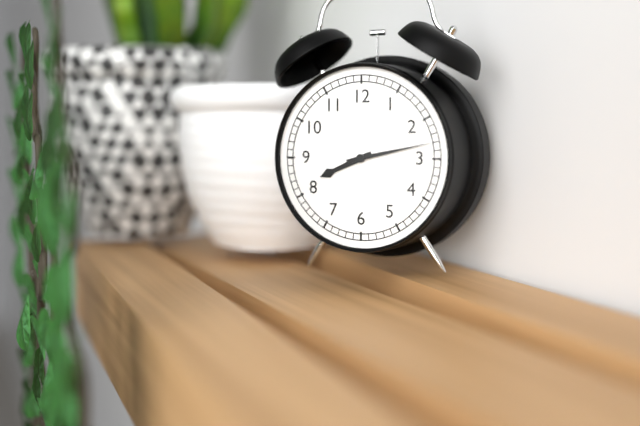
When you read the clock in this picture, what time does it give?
8:13
